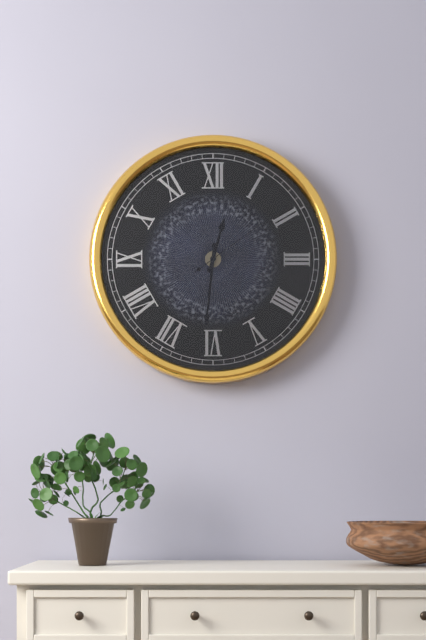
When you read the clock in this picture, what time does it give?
12:31:09
